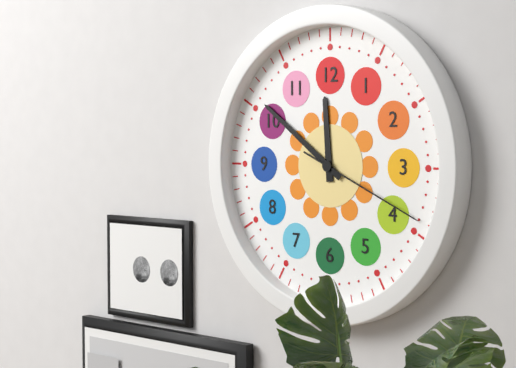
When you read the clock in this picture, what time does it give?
11:51:19
